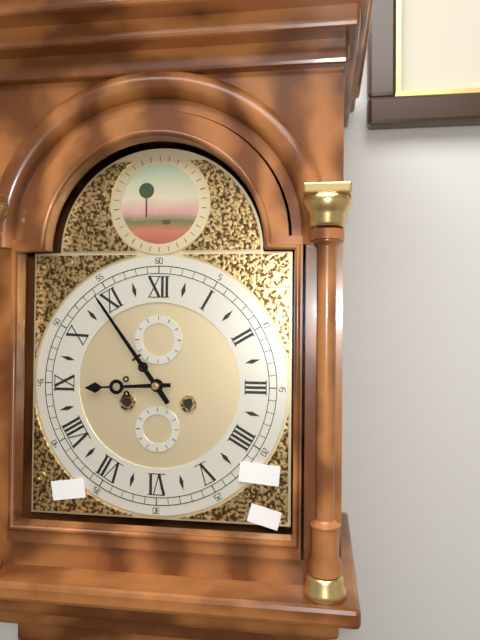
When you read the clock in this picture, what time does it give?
8:54
